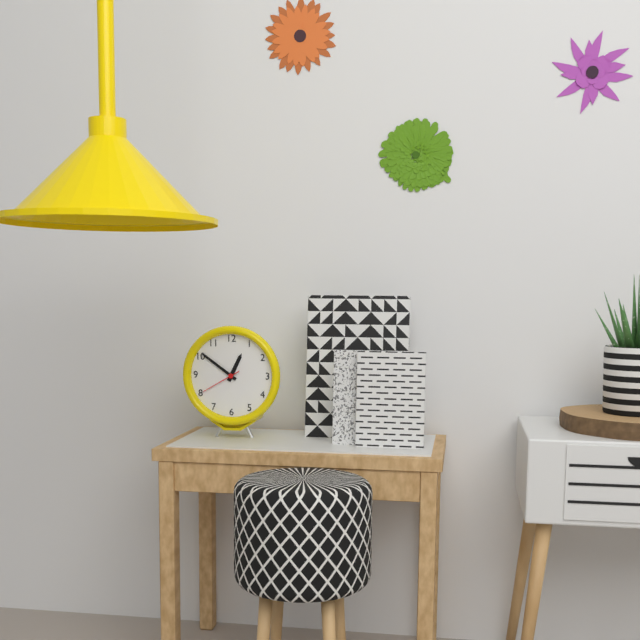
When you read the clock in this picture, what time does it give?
12:51
